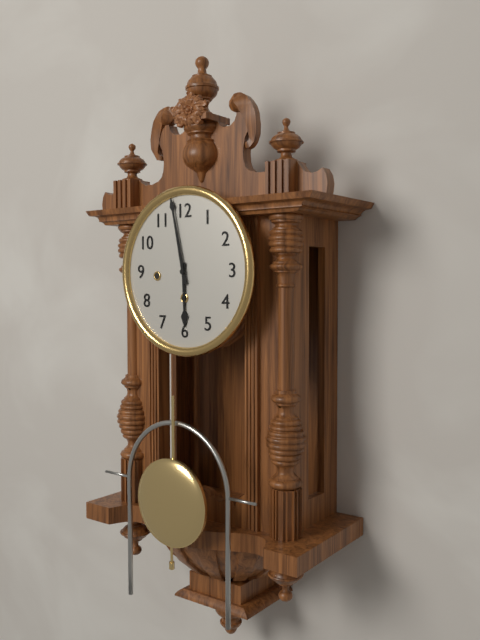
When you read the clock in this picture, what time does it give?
5:58
